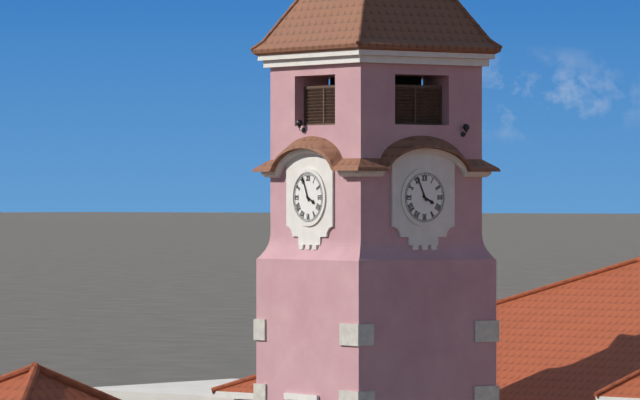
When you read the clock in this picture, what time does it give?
3:56
